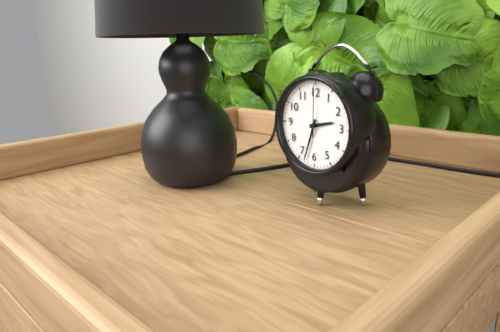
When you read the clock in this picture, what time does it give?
2:33:00
